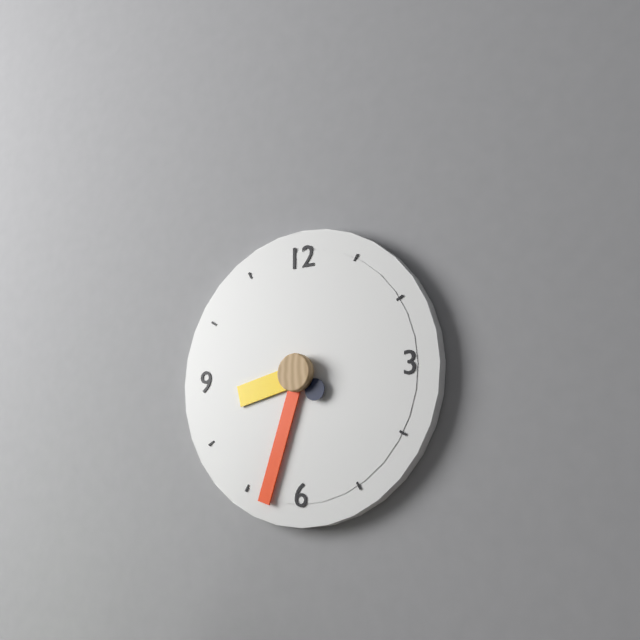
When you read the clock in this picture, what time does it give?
8:33
